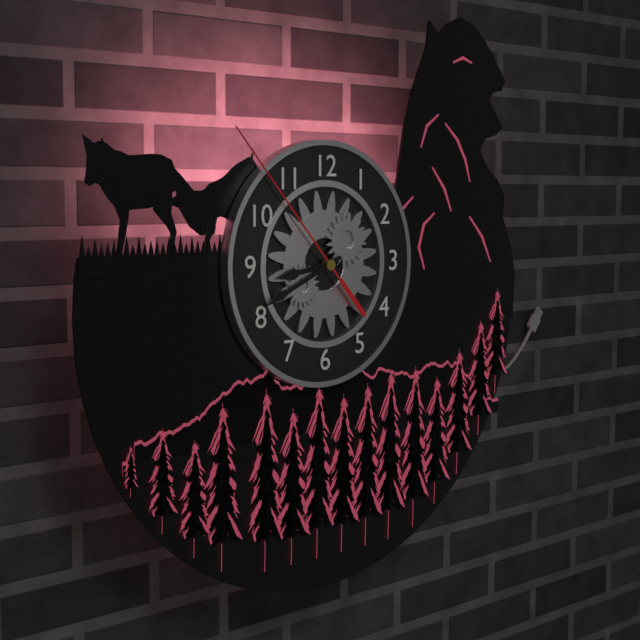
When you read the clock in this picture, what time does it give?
8:41:53
